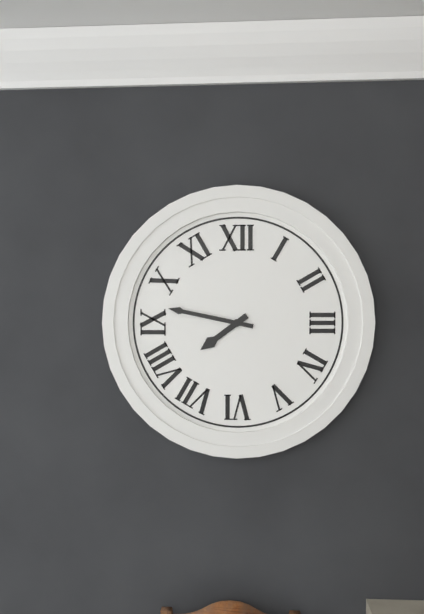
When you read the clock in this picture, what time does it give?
7:47
